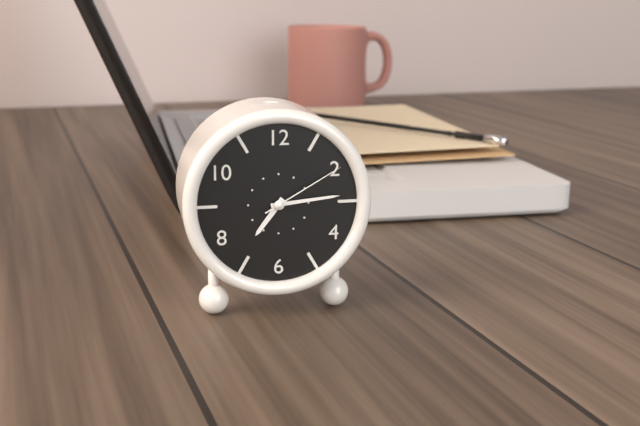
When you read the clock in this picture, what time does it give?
7:14:10
